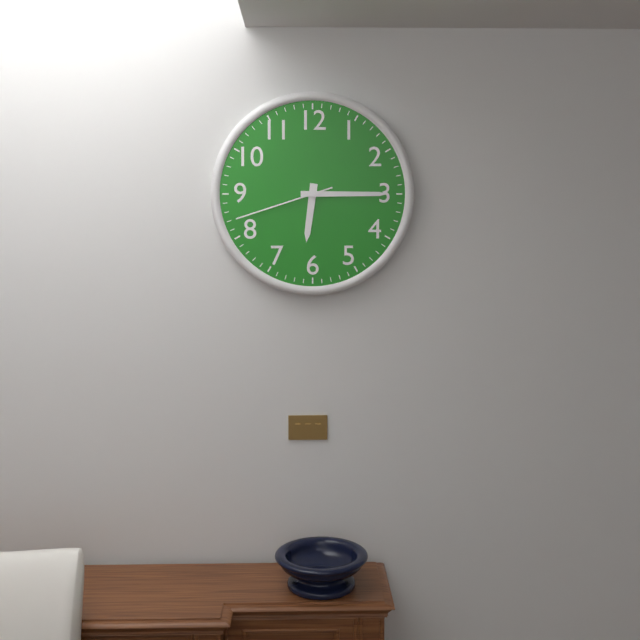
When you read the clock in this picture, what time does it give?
6:15:42
